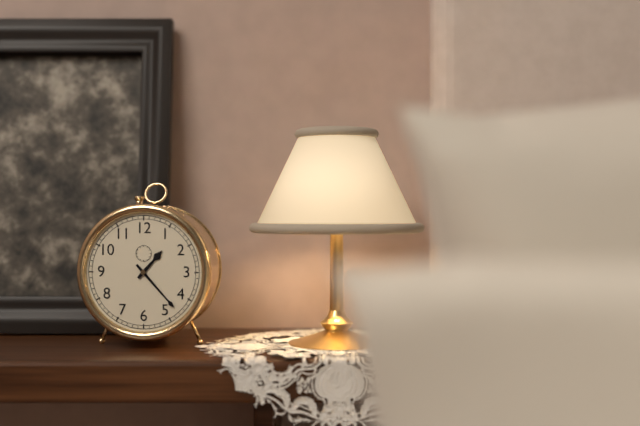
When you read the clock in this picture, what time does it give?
1:23
